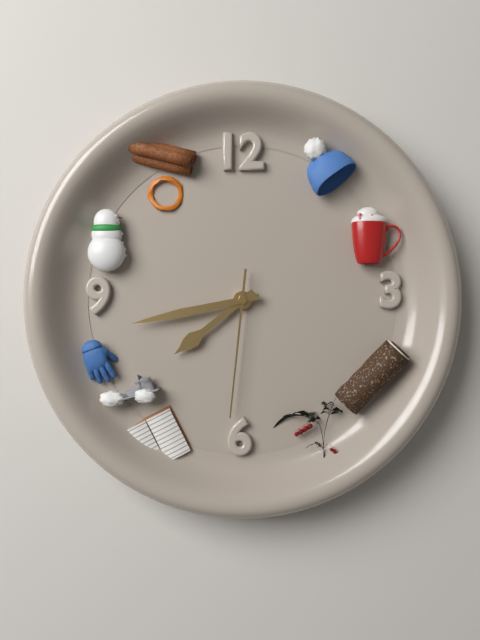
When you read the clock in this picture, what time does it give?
7:43:31
